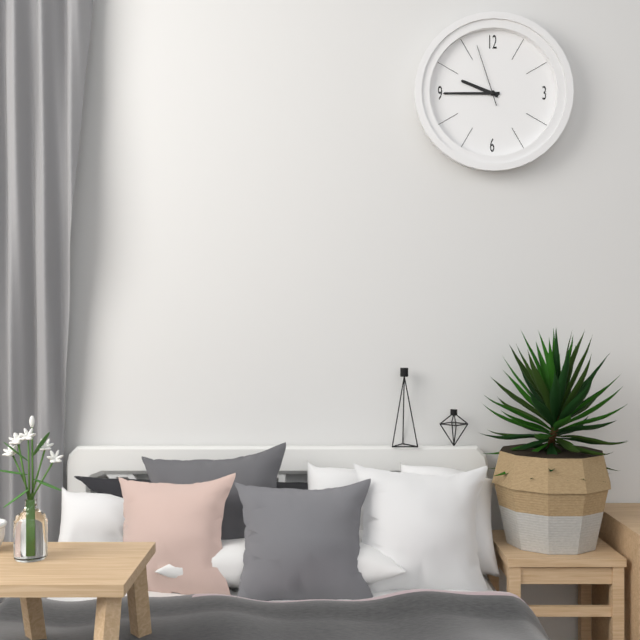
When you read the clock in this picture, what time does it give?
9:45:57
